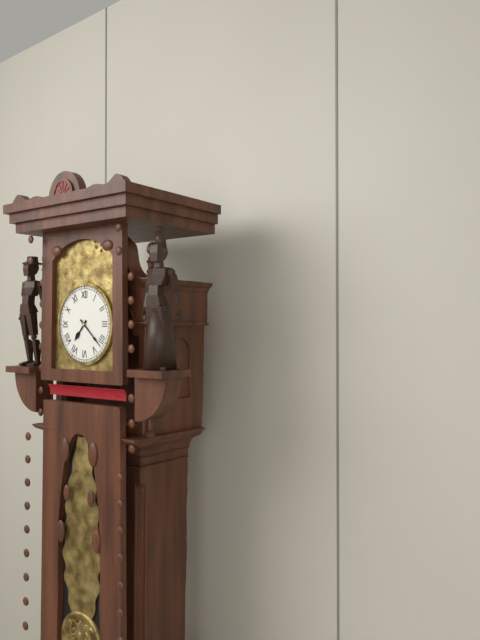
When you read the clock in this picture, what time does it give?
7:22
